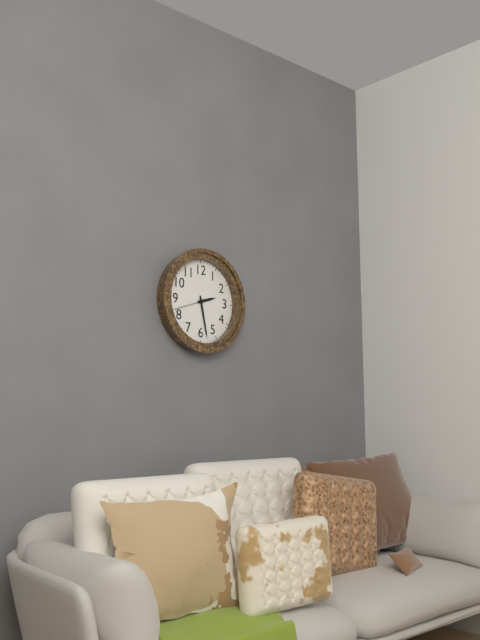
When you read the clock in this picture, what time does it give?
2:28
